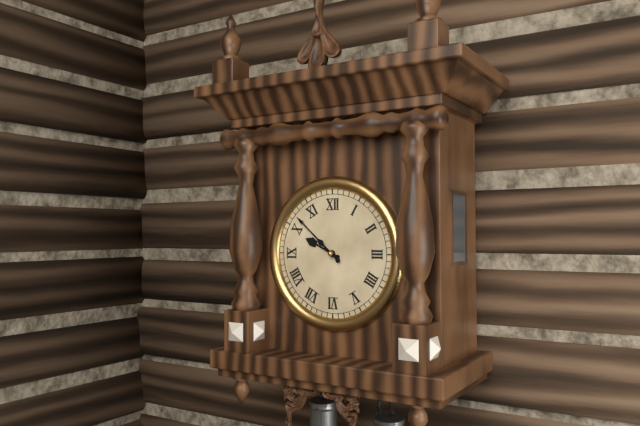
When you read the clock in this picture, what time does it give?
9:52
